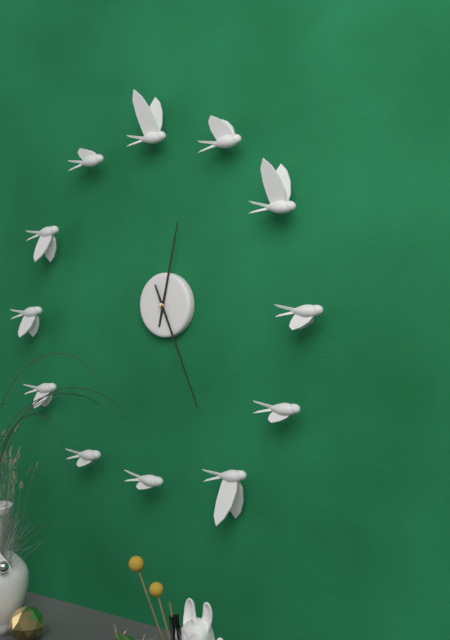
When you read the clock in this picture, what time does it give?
12:26
